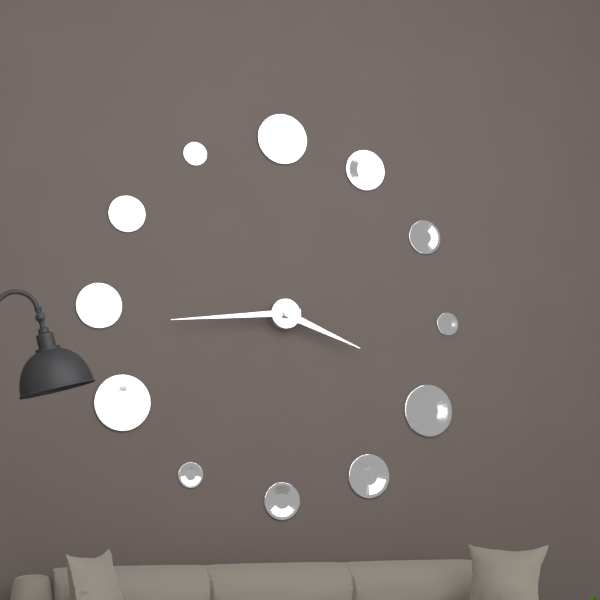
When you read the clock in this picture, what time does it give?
3:44
